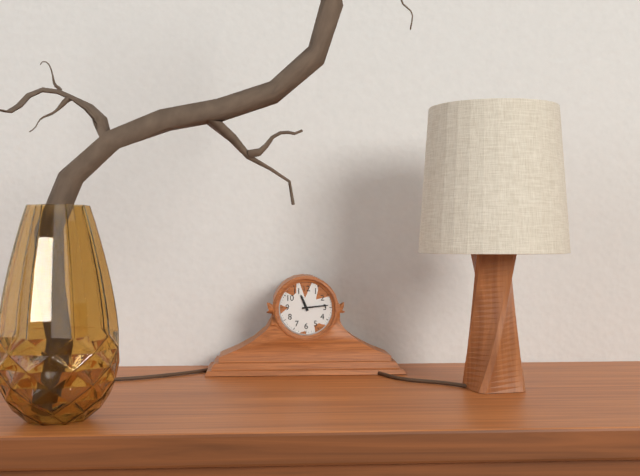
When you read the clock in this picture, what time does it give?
11:14
